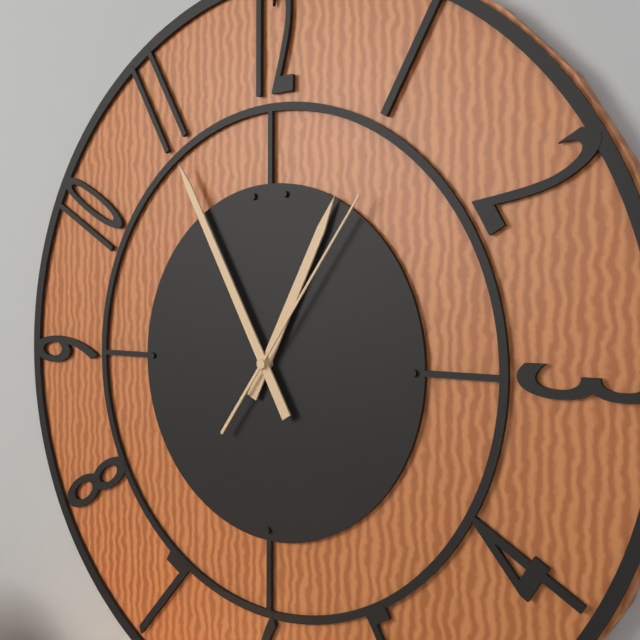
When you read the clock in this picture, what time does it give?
12:55:06
